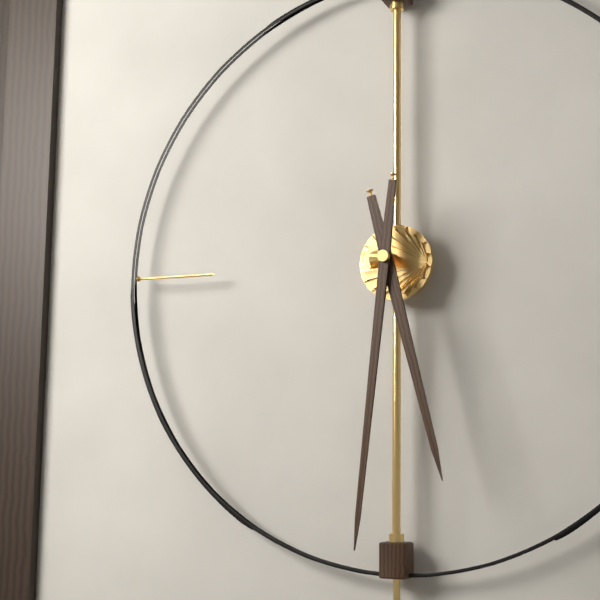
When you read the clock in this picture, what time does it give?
5:31
